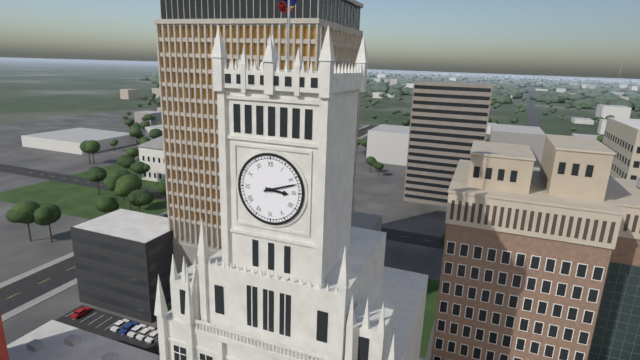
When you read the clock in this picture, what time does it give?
3:12
